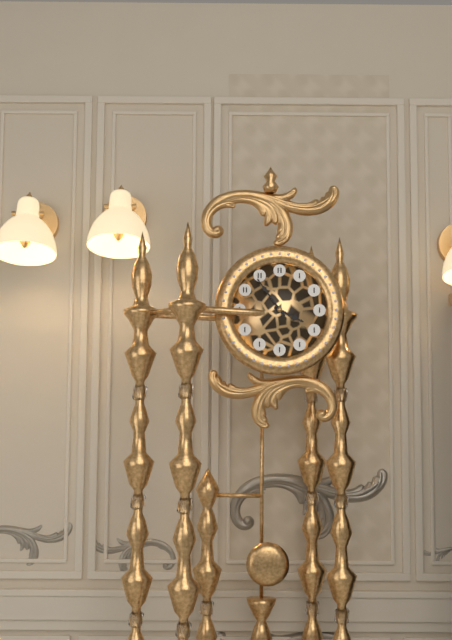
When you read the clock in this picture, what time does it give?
3:54
